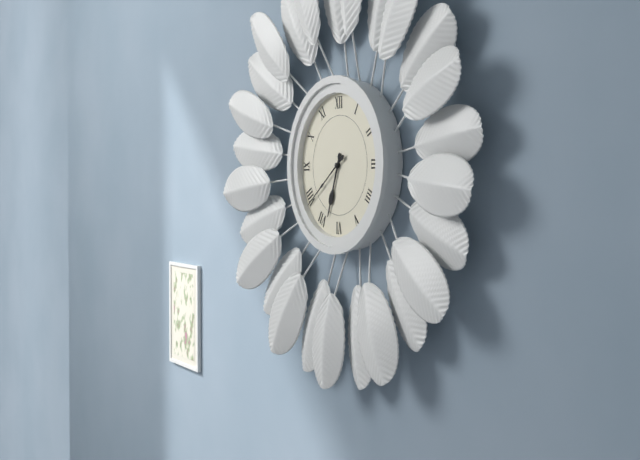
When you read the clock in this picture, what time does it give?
6:39
